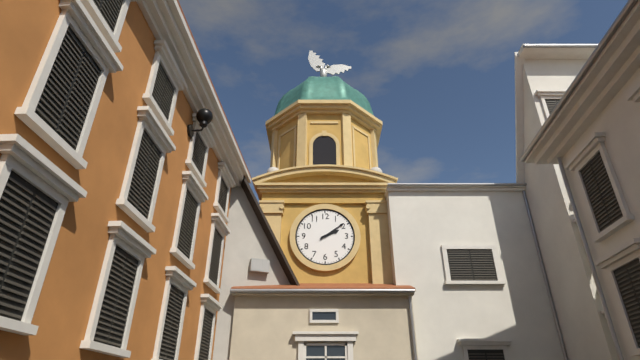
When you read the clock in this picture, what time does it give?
2:09
